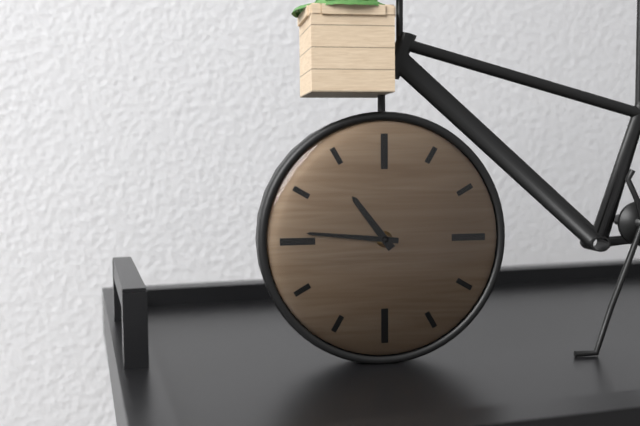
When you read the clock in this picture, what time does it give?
10:46
